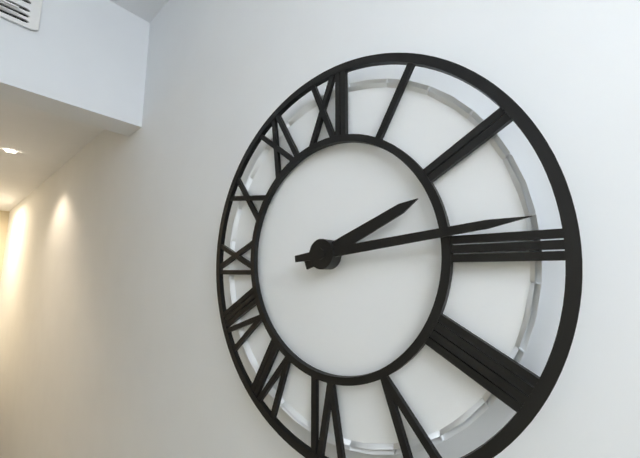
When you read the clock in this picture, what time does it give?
2:14
